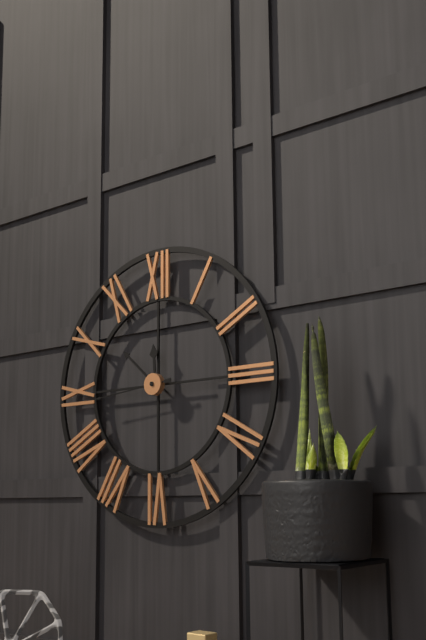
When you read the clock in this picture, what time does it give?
11:52:44
